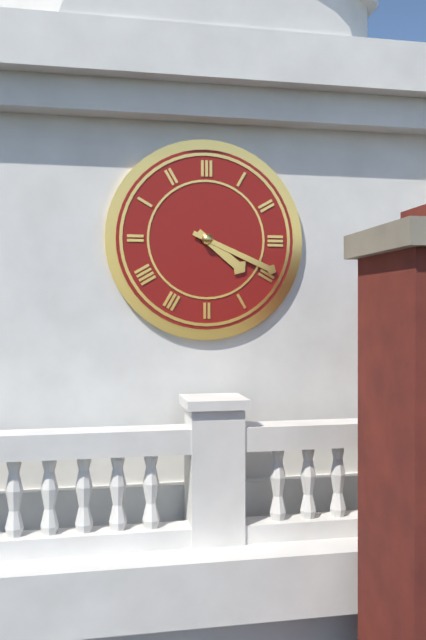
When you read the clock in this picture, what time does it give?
4:19
